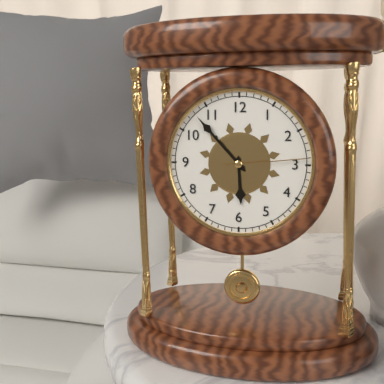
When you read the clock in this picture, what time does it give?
5:53:14
